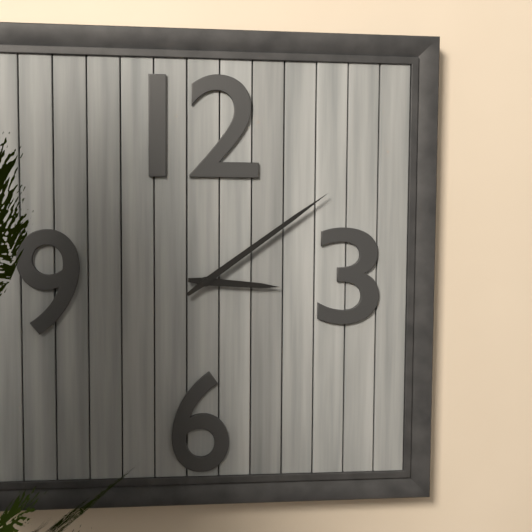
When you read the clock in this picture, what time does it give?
3:09
